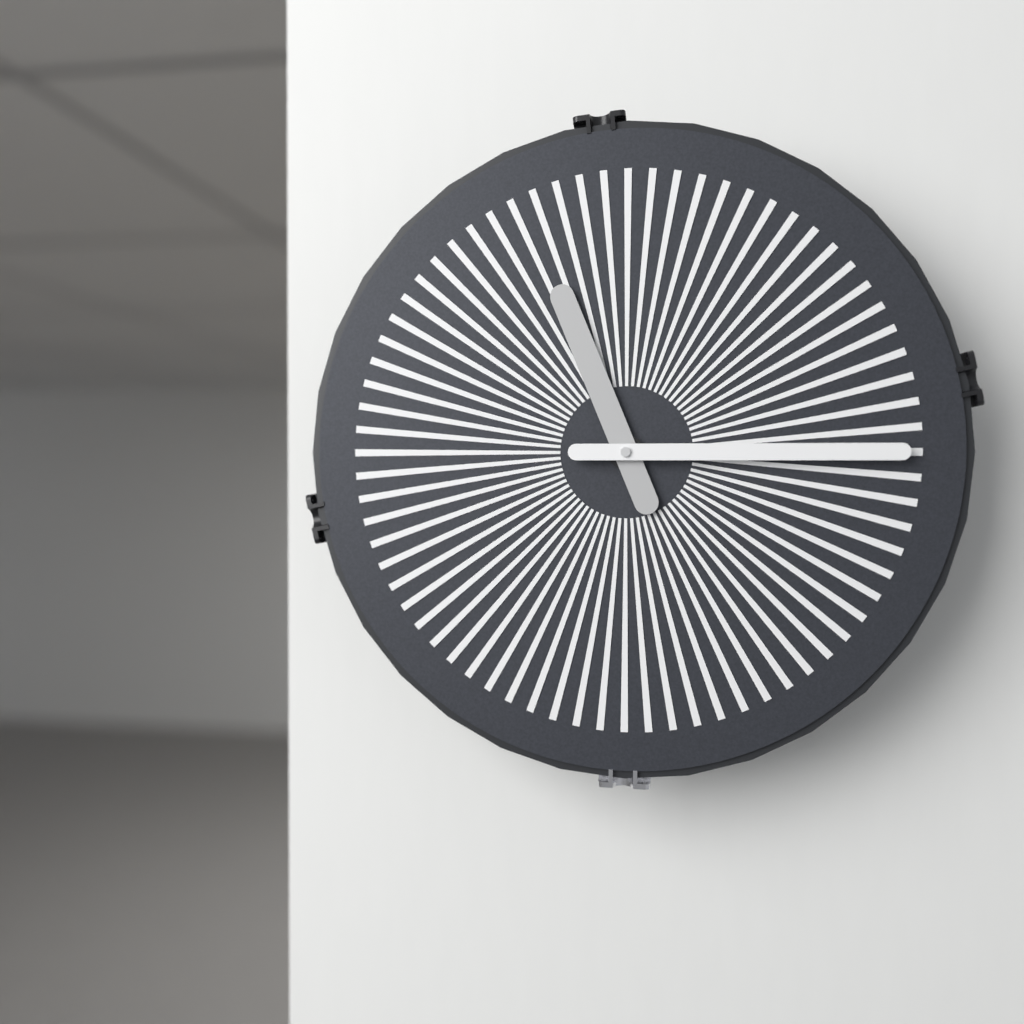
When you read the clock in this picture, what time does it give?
11:15
